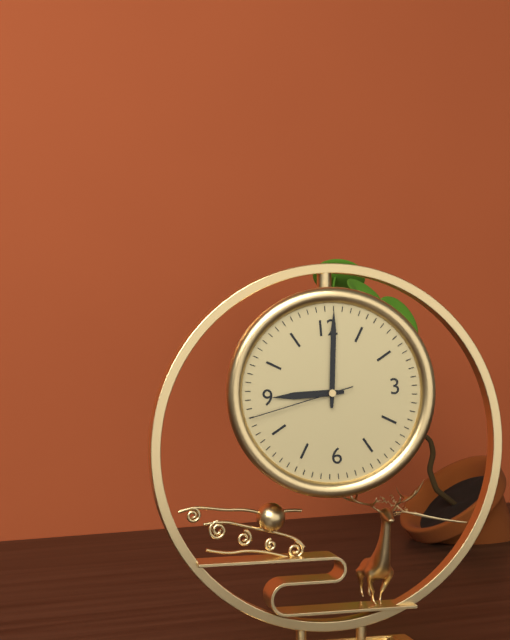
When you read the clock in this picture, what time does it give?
9:01:43
